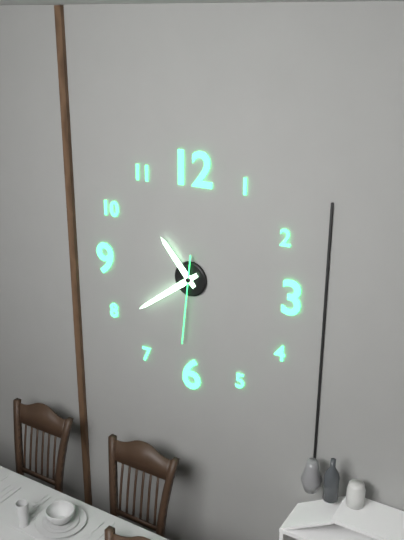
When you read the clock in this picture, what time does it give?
10:39:31
